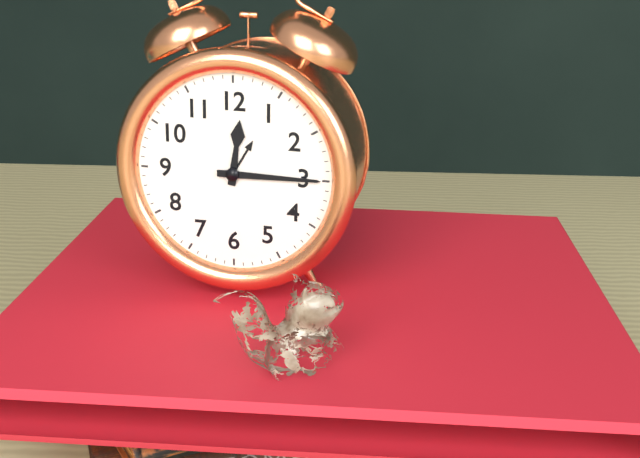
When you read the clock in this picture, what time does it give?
12:15
